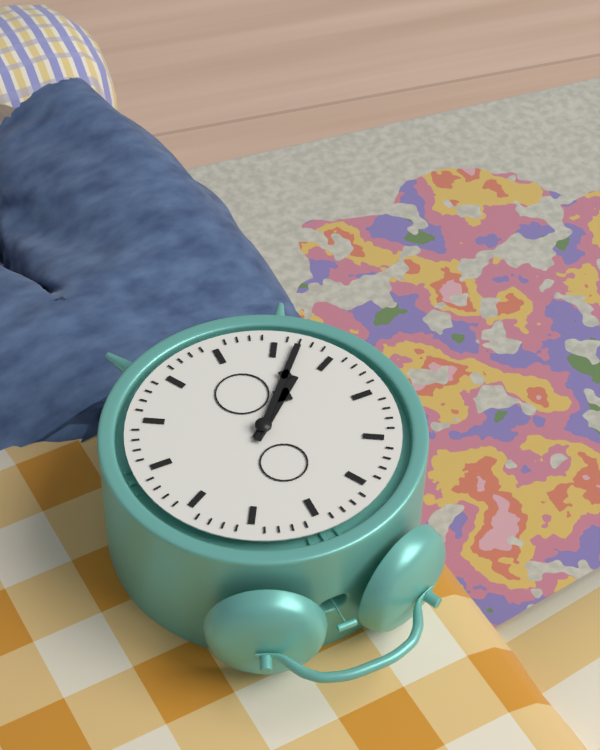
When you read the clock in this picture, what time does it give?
7:37
